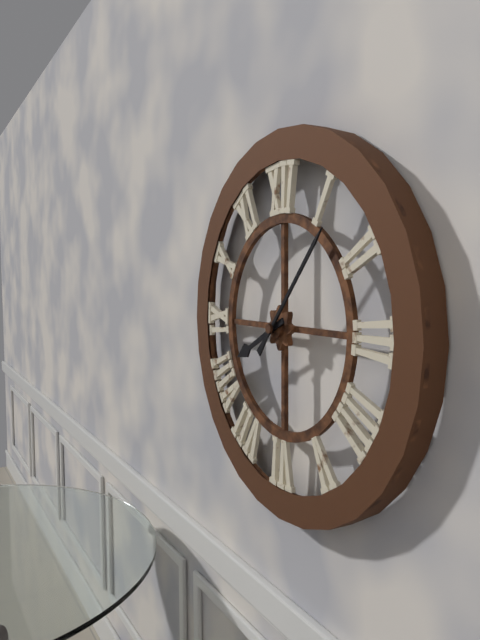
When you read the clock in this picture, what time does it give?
8:07
